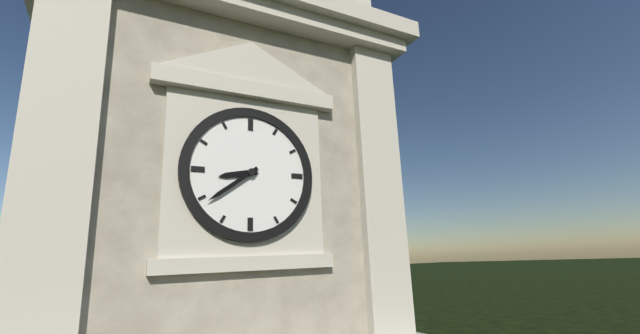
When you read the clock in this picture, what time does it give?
8:39
